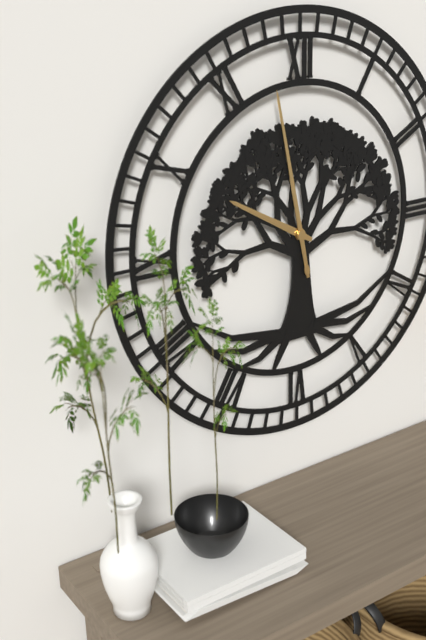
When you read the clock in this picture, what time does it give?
9:58
